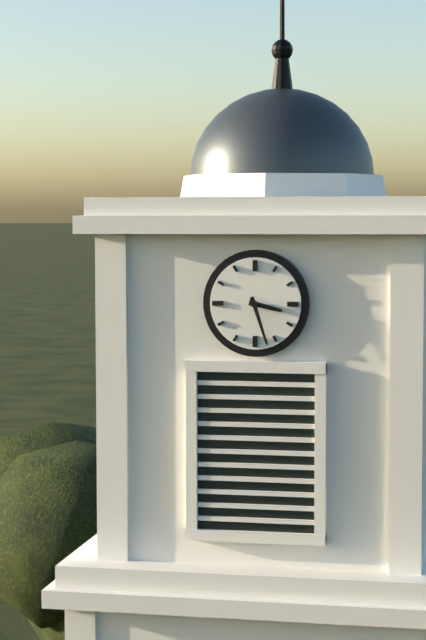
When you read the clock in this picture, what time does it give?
3:27
